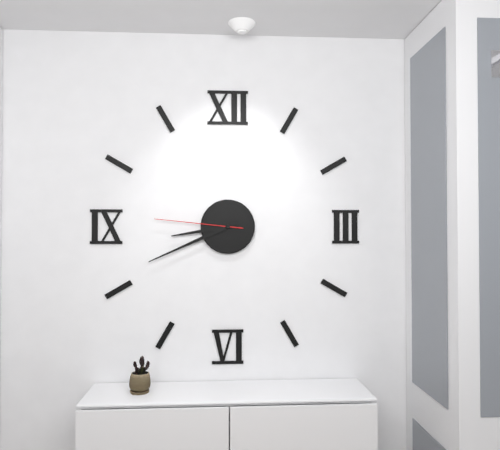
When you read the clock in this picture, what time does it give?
8:41:46
